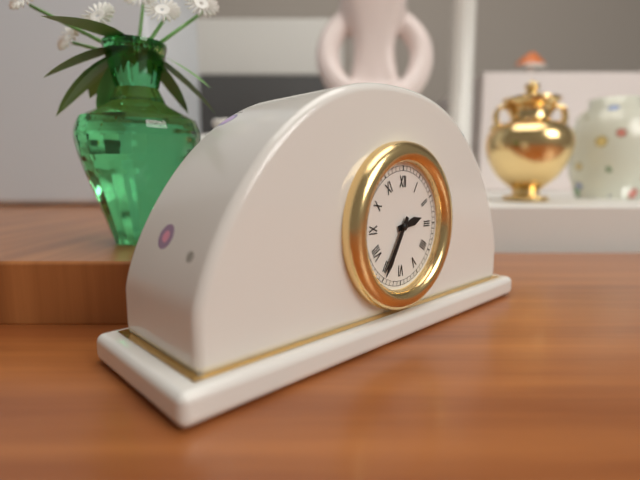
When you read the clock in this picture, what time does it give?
2:35
